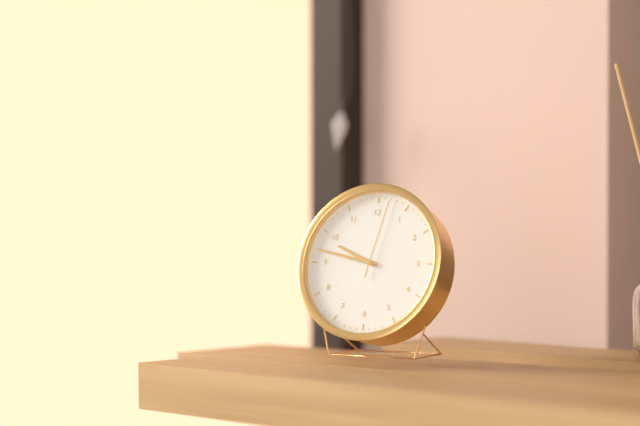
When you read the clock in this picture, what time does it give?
9:47:02
